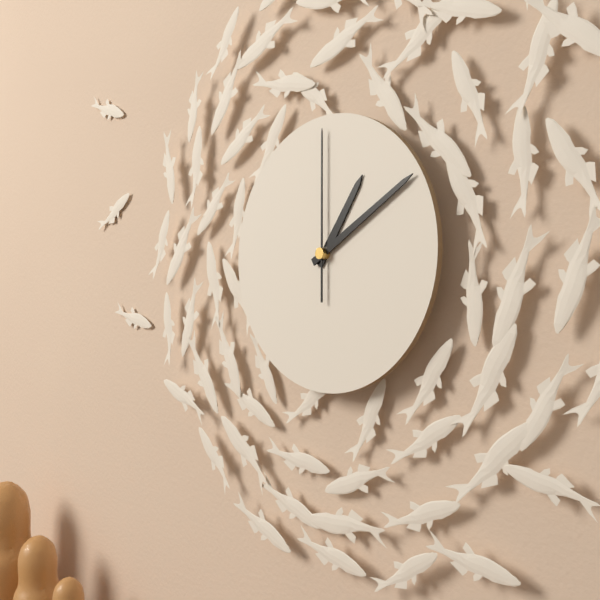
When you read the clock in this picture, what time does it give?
1:10:00
